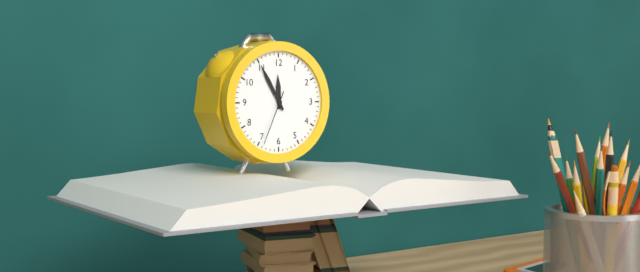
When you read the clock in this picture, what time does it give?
11:55:34
